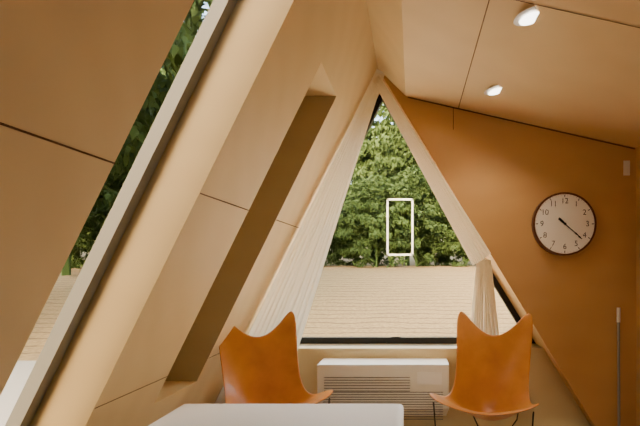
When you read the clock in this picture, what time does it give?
4:22
